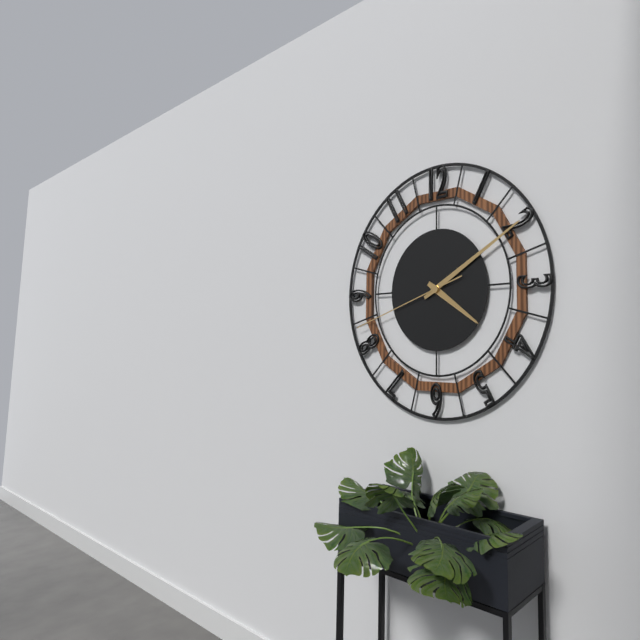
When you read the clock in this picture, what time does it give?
4:10:42
